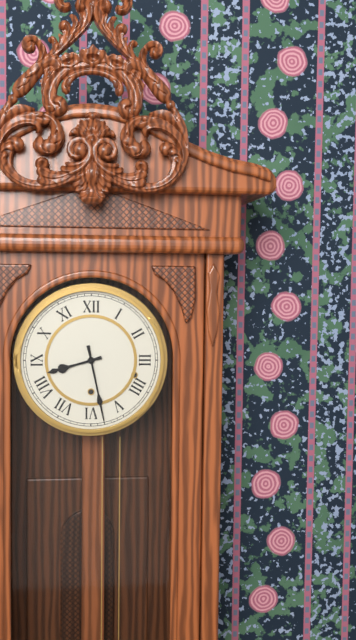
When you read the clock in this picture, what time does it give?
8:28
